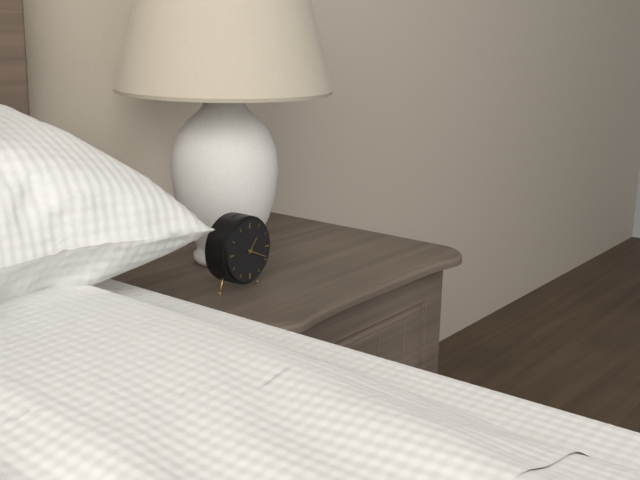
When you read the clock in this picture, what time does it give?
1:19
